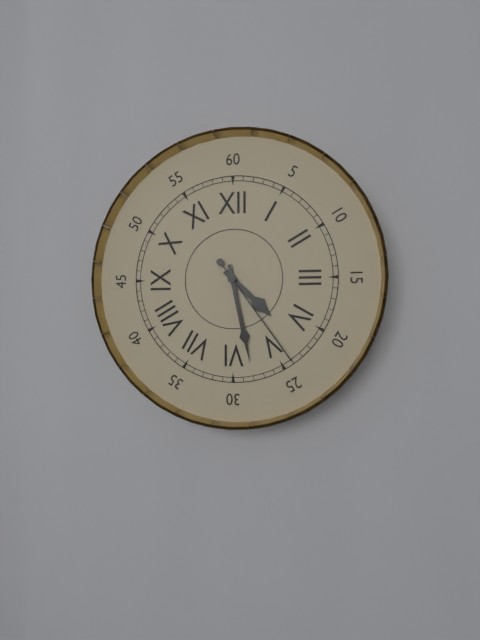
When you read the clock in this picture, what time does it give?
4:28:24
